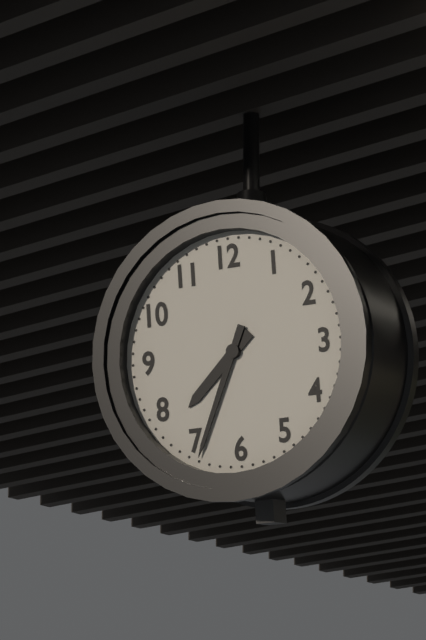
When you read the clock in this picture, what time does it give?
7:34
